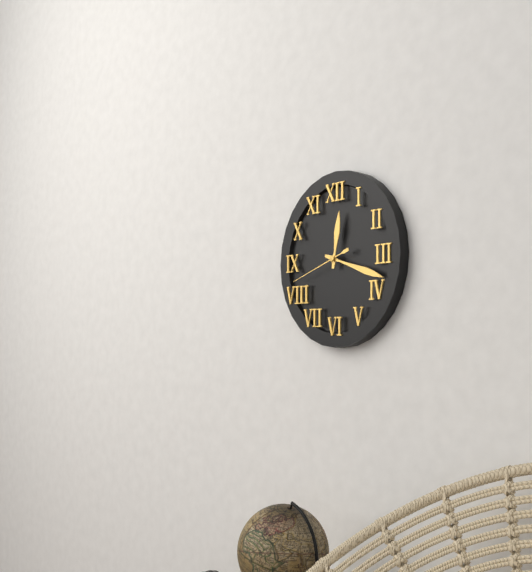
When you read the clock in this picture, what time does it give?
12:18:42
